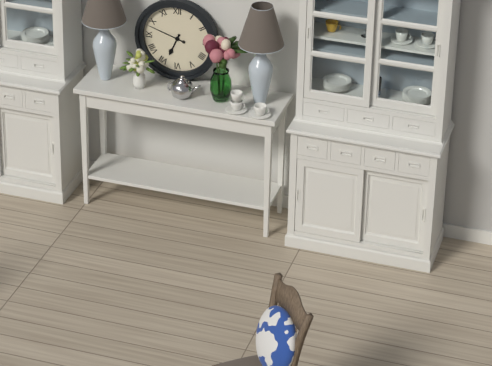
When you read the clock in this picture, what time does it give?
6:48
